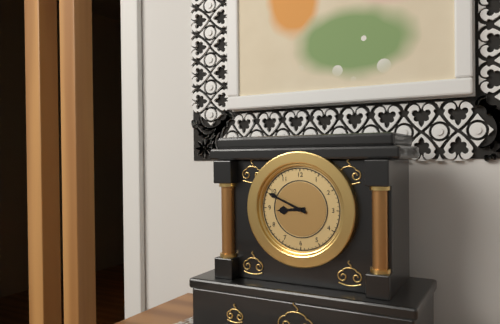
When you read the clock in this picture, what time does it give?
8:49
